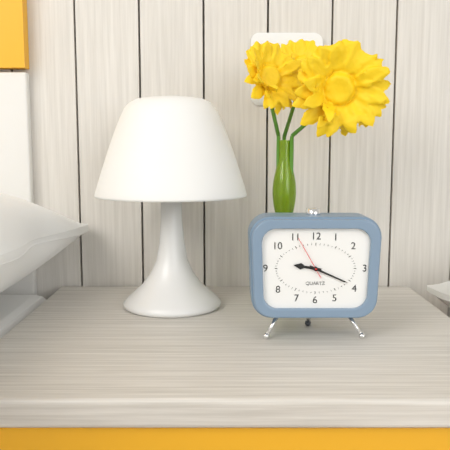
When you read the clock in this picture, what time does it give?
9:19
